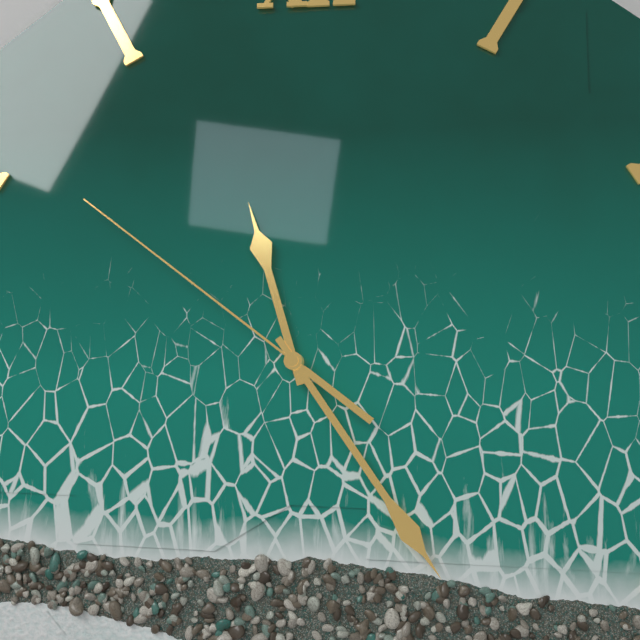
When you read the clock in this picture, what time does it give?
11:24:51
